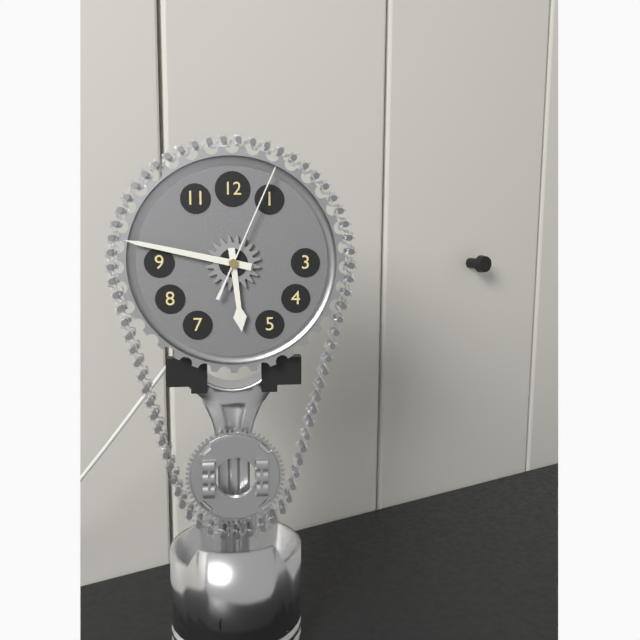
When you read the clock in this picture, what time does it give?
5:47:04
